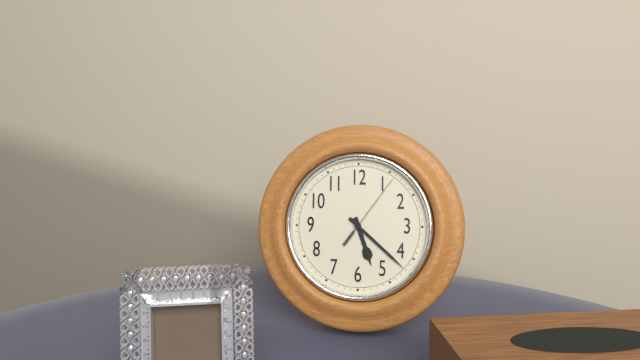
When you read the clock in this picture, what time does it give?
5:22:06
